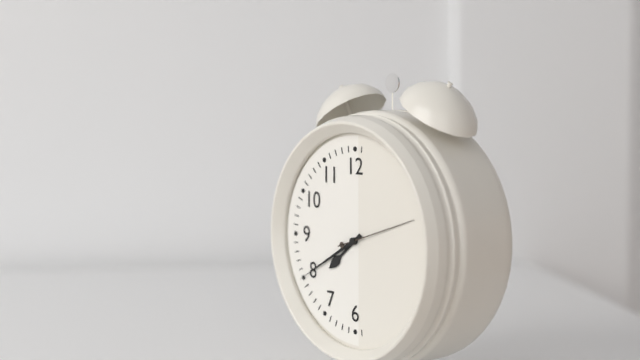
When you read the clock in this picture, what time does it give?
7:40:12
